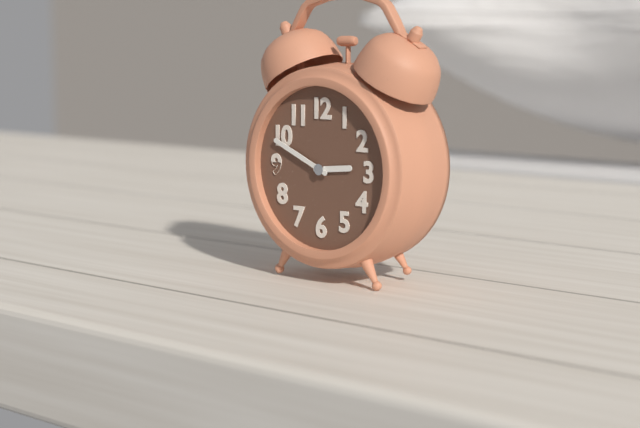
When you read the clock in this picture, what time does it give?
2:49
